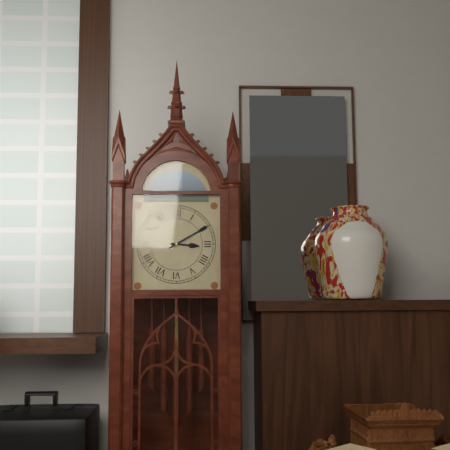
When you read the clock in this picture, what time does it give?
3:10
